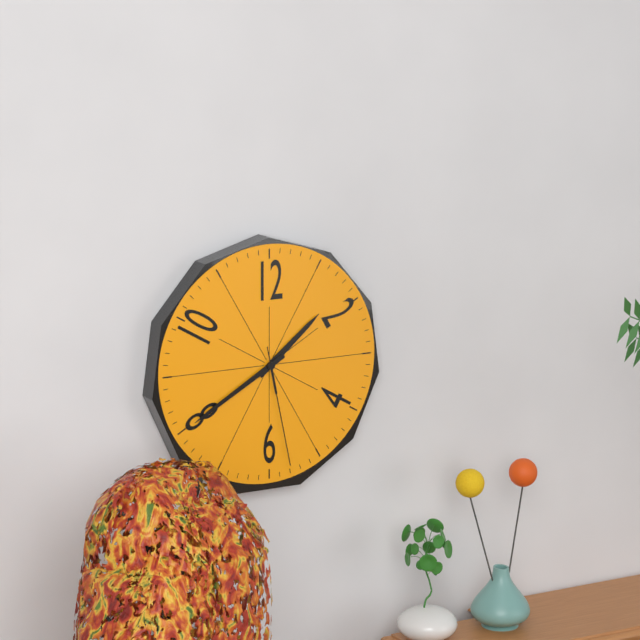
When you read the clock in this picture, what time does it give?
1:40:28
